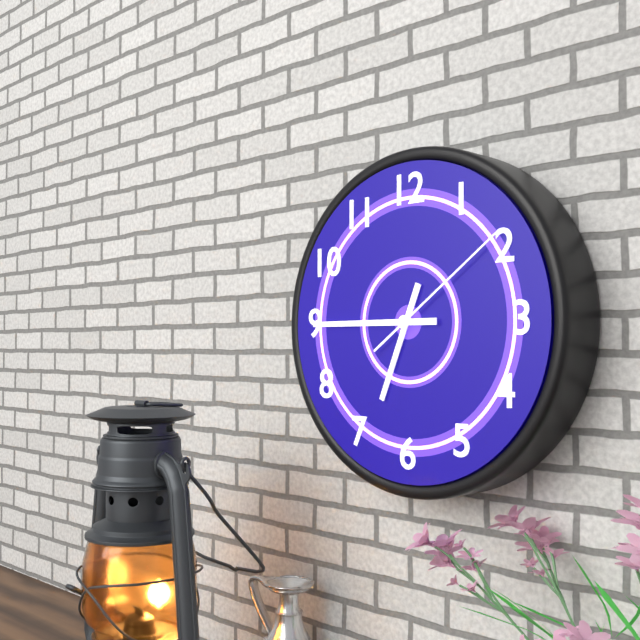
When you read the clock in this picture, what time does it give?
6:45:09
